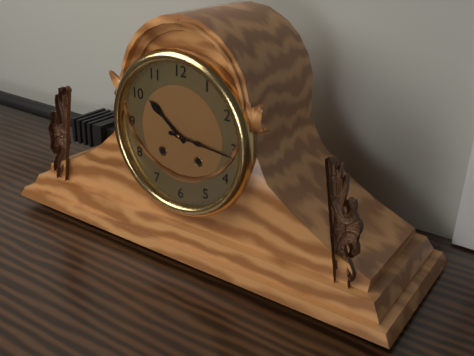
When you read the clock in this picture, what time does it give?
10:16
